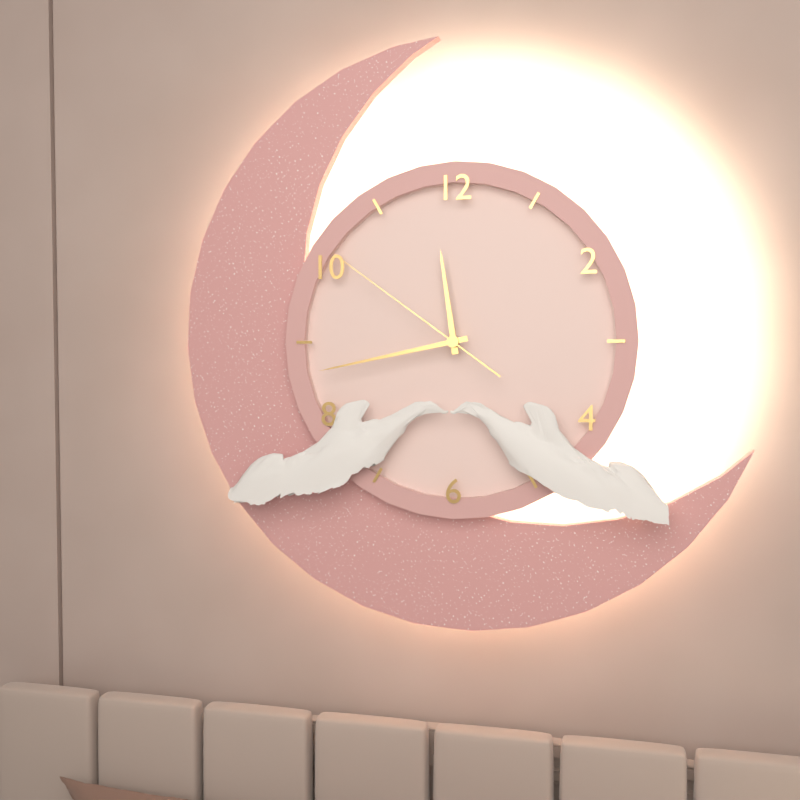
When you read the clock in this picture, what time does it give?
11:43:51
